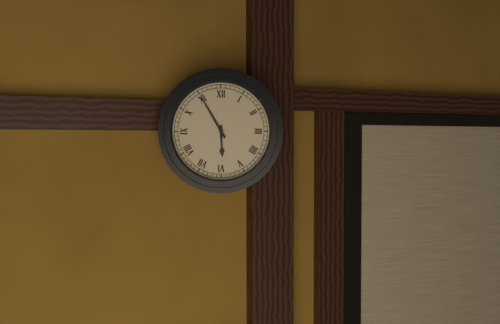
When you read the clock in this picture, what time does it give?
5:55
